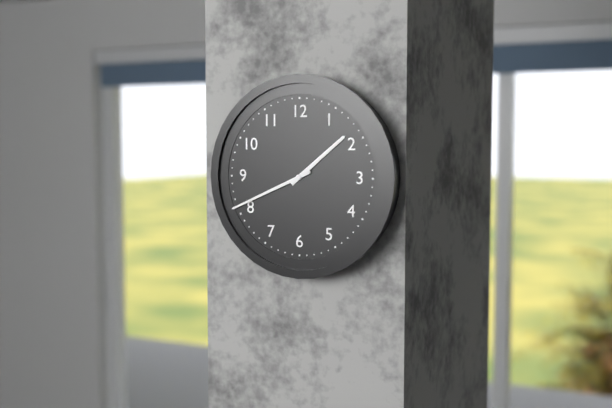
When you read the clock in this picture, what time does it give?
1:41
